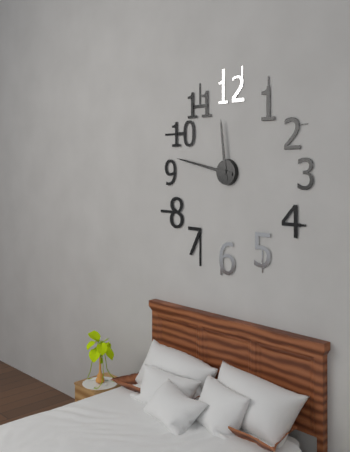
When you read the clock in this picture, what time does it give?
11:47
